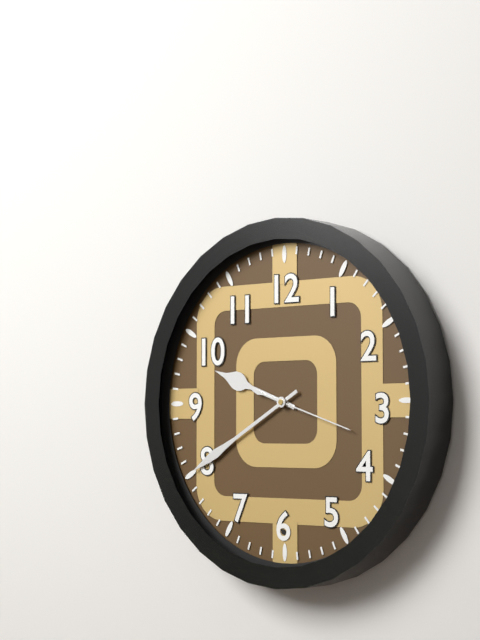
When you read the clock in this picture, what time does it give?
9:40:18
